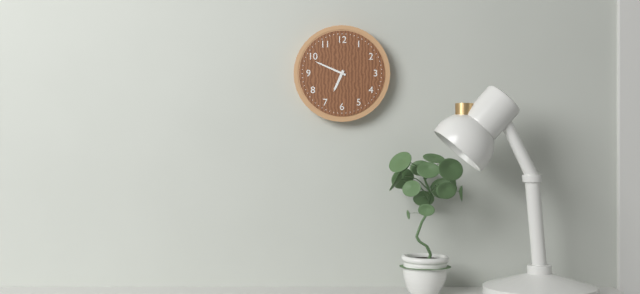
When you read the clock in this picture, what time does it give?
6:49
